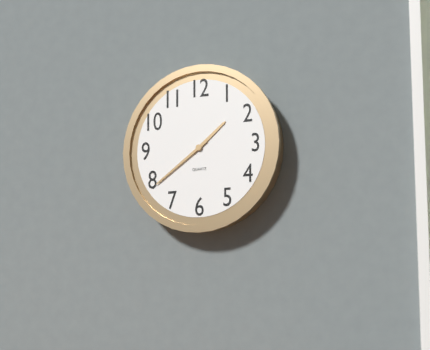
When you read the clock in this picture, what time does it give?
1:39
